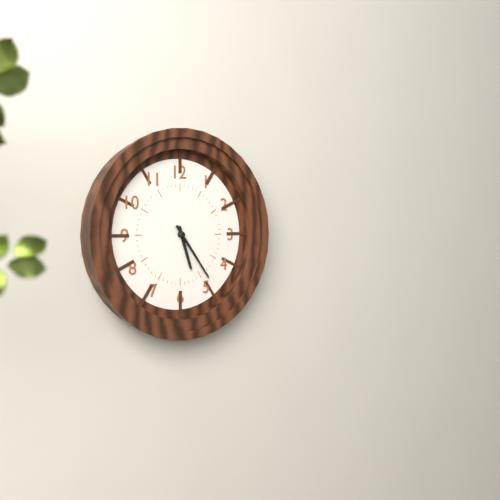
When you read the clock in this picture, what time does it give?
5:24
